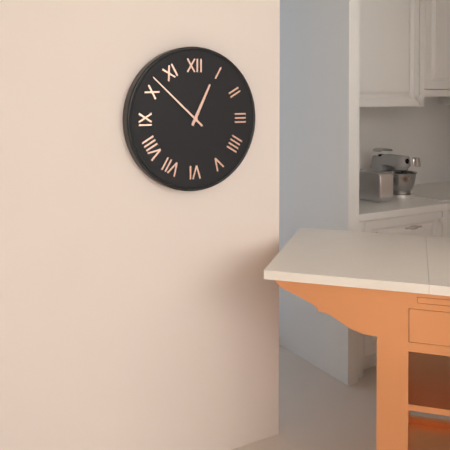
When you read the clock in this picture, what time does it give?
12:52
